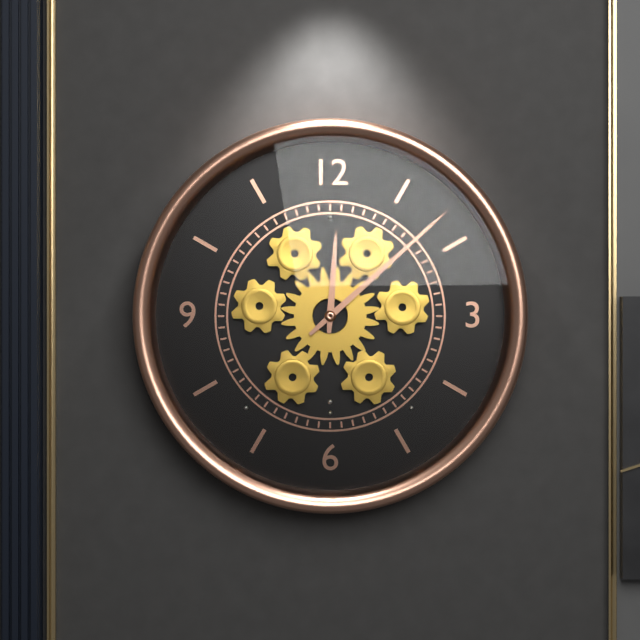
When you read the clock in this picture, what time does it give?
12:08
